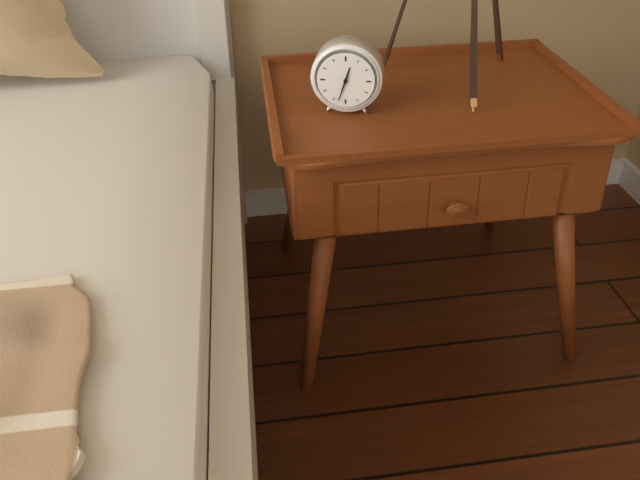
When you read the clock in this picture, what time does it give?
12:33
